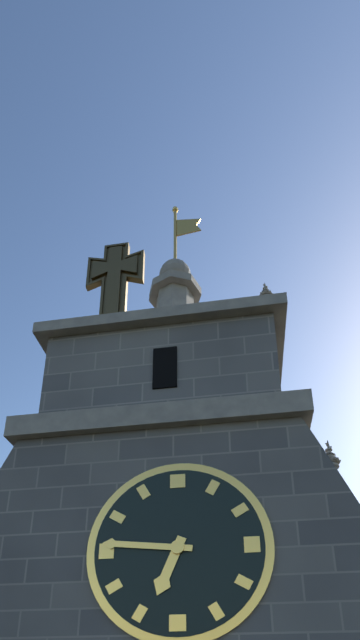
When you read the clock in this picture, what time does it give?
6:46
